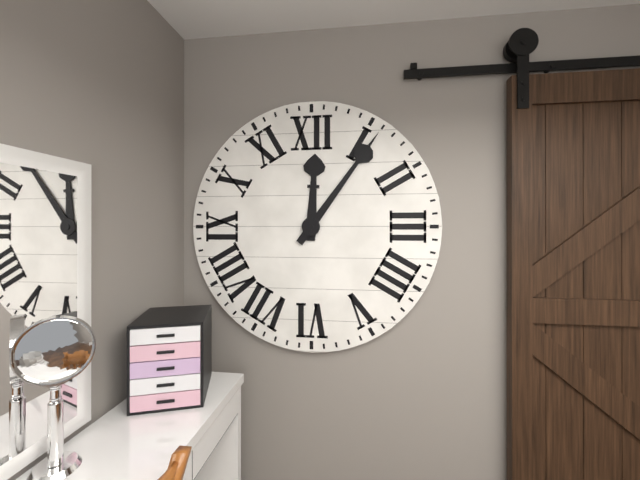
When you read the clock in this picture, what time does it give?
12:06
